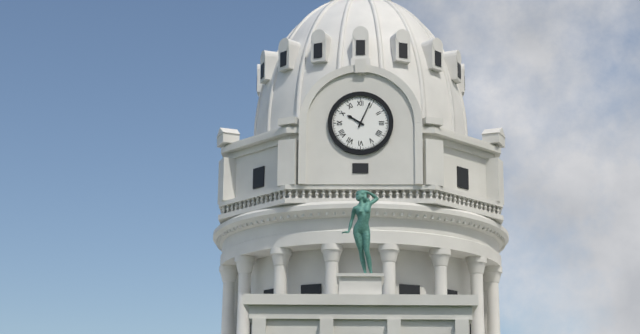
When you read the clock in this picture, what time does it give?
10:04
